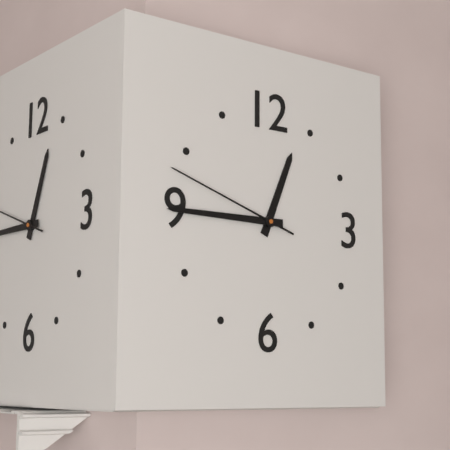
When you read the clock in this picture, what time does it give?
12:45:48
